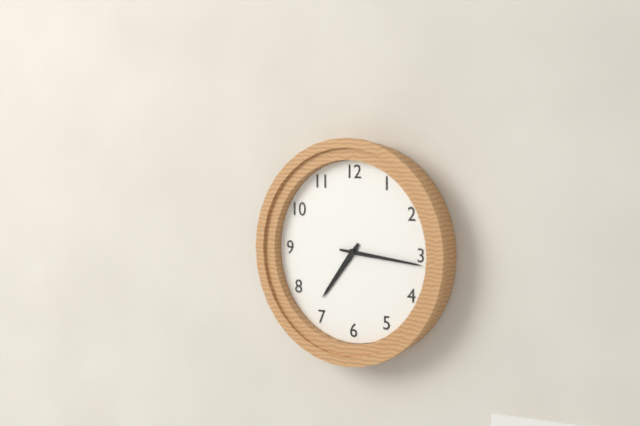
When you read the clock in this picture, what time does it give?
7:16
